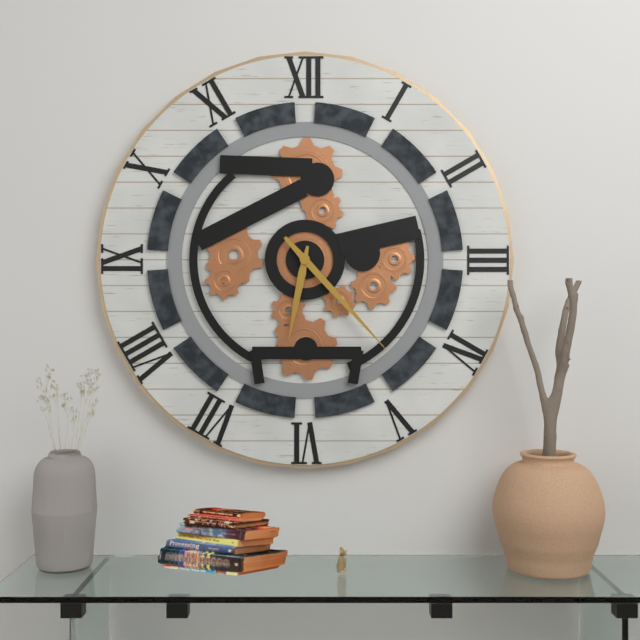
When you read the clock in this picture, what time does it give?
6:23
